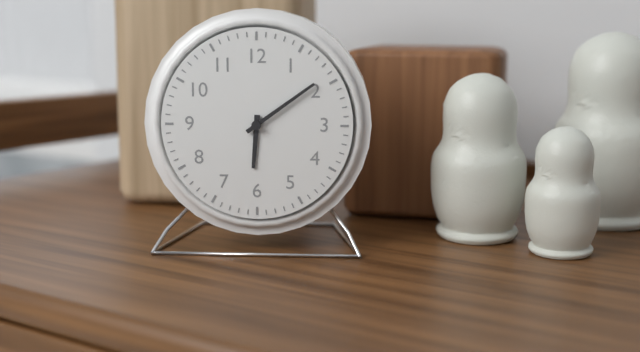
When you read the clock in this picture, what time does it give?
6:09
